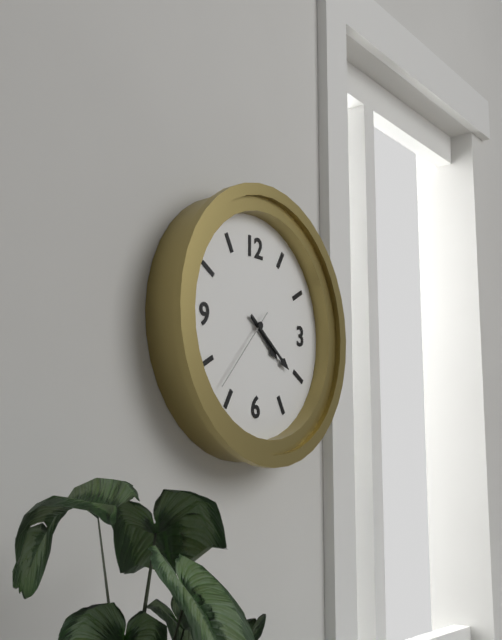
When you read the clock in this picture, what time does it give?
4:21:37
